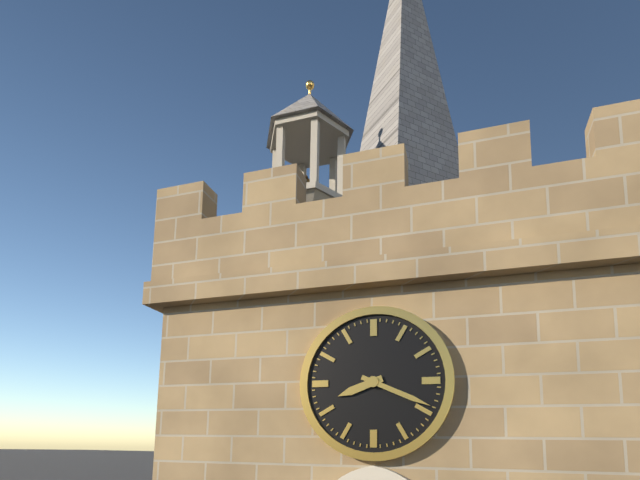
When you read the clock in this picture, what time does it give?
8:19
